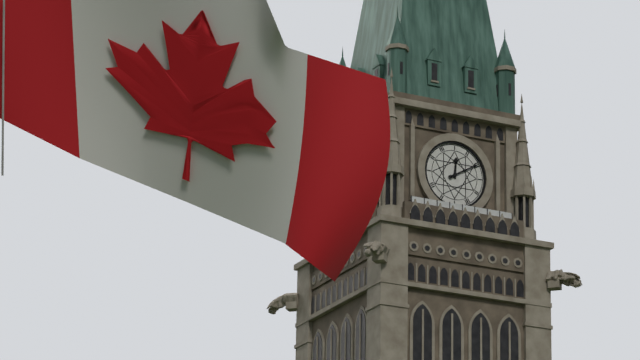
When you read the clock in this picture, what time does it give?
12:10
